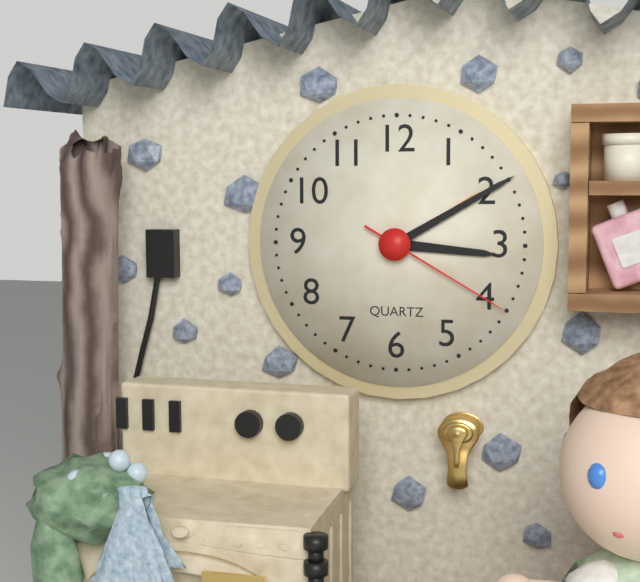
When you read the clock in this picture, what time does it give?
3:10:20
